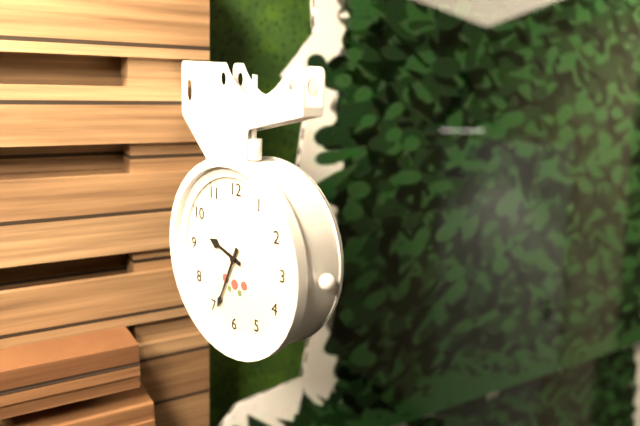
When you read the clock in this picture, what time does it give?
9:34
